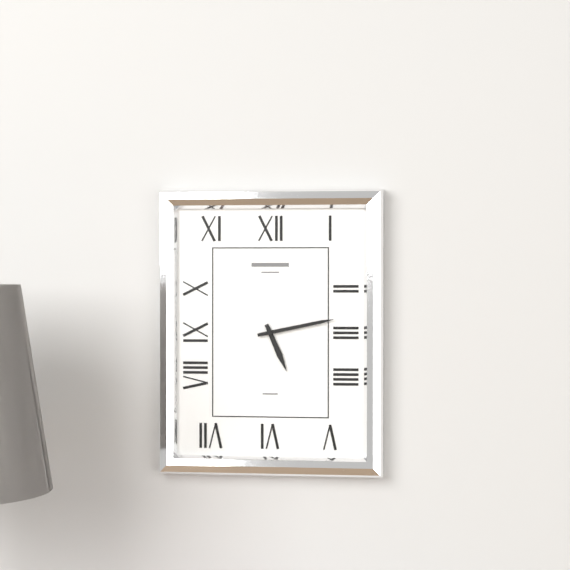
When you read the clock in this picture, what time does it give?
5:13
